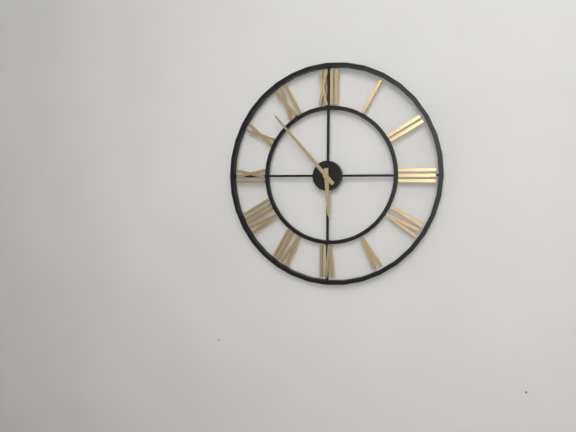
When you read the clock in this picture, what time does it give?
5:53
